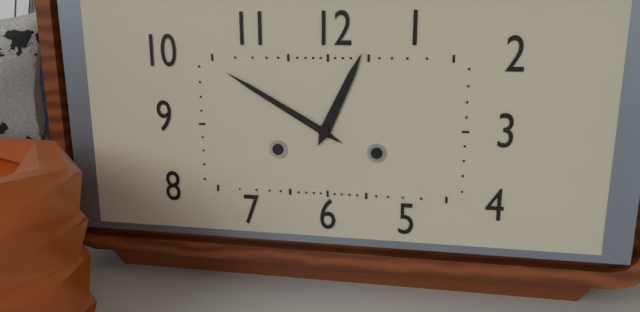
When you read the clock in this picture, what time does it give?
12:50
